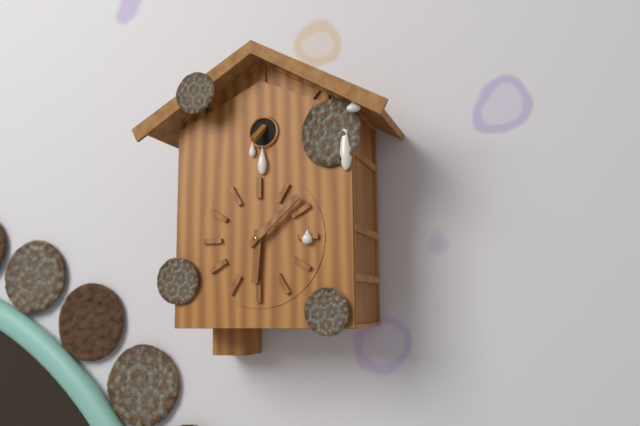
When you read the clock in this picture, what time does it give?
6:08
